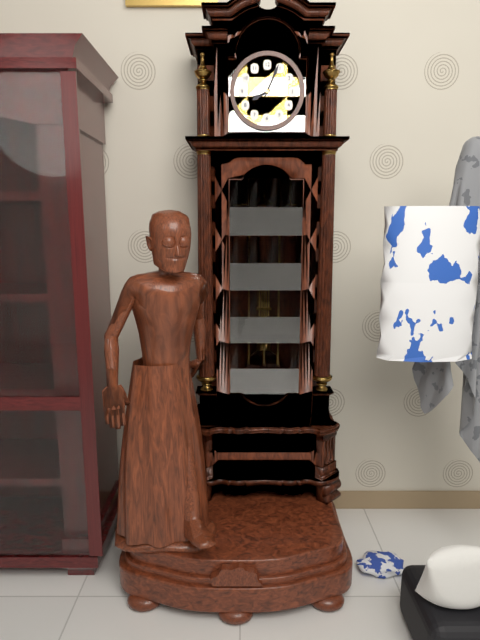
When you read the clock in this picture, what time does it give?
8:04
